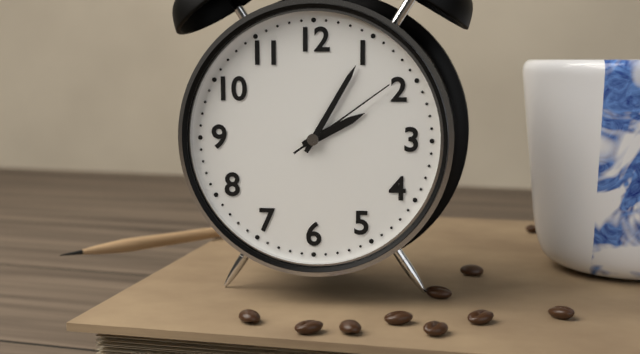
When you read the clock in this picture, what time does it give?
2:05:09
